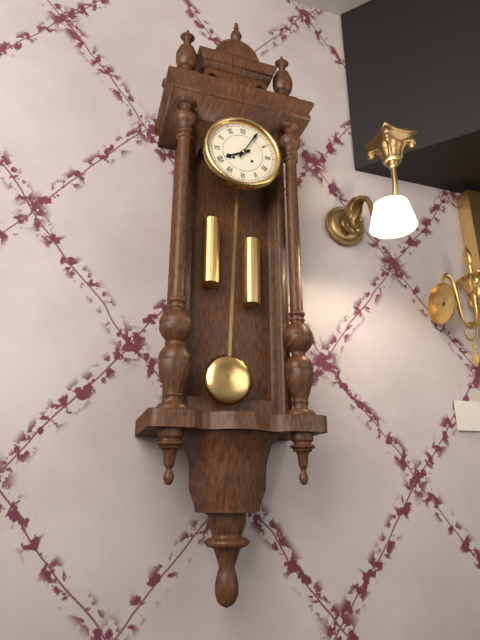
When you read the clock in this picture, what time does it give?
8:05
